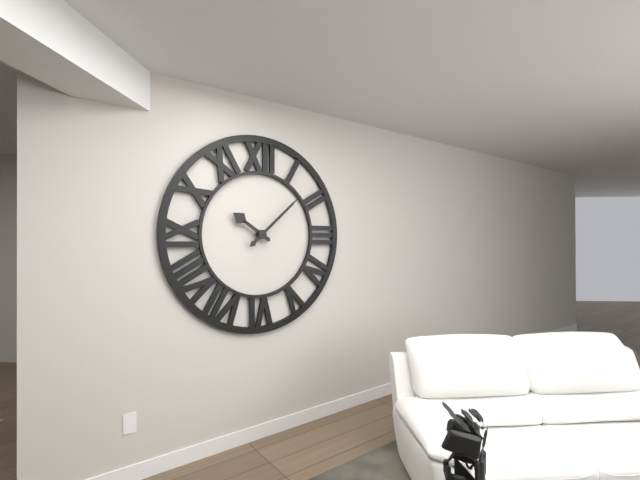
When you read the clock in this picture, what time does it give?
10:08
